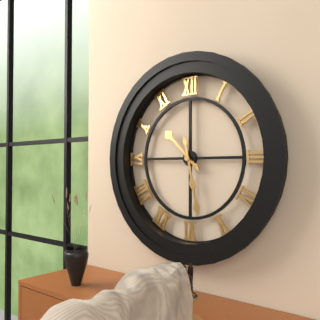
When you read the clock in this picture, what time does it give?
10:28
